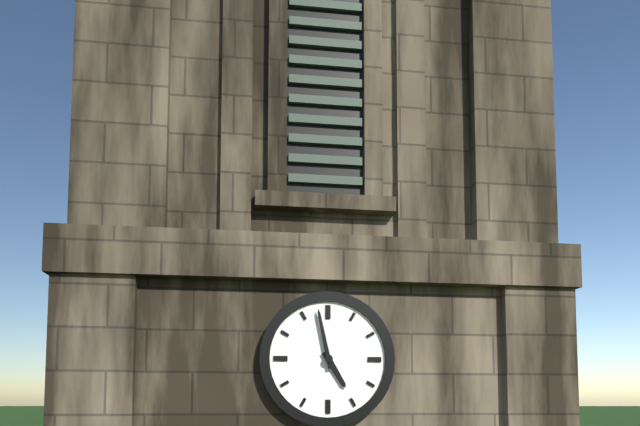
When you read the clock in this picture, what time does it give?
4:58
